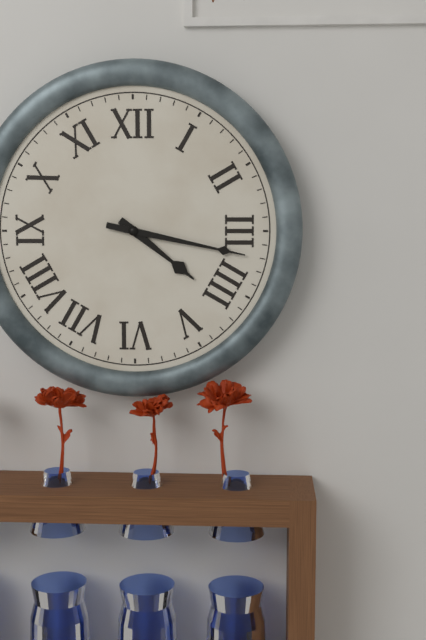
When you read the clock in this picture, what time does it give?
4:17
